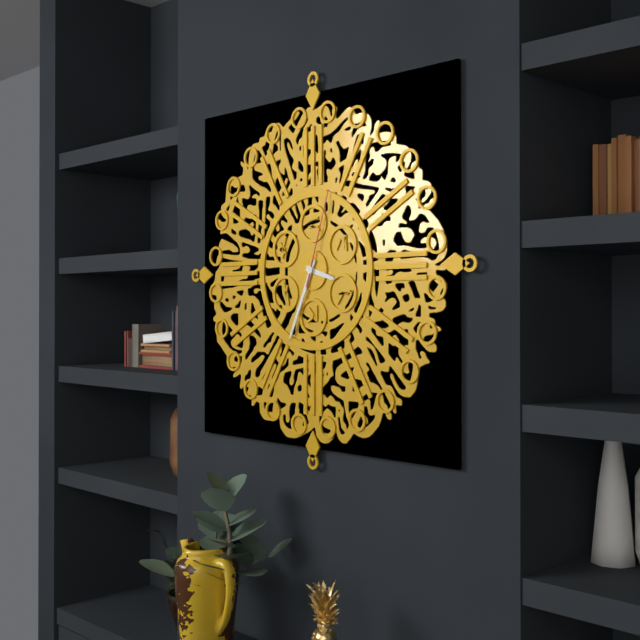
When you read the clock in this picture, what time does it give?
3:34:03
